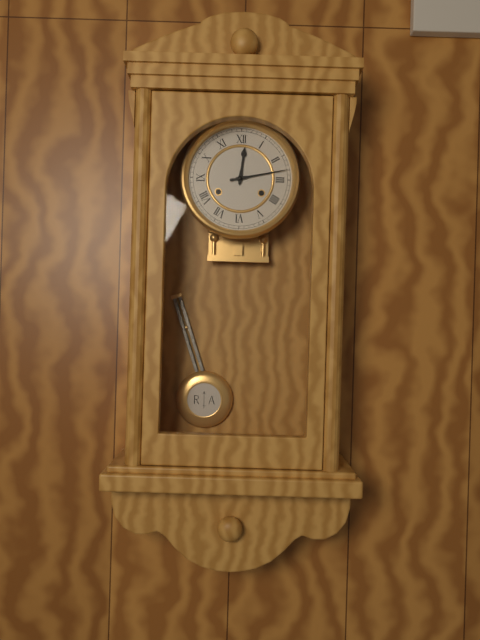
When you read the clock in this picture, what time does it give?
12:13
